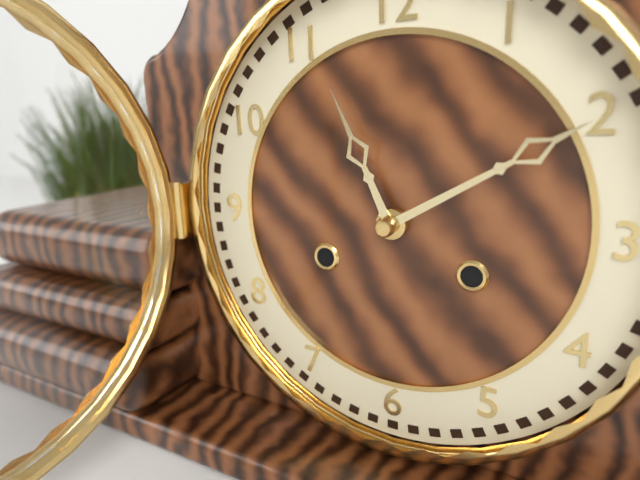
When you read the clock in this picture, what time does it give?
11:10
